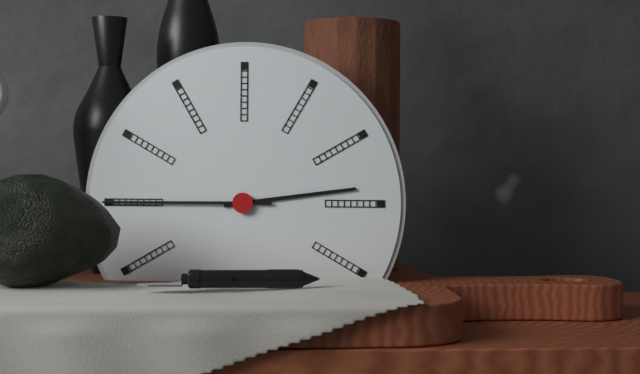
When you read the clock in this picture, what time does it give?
2:45
